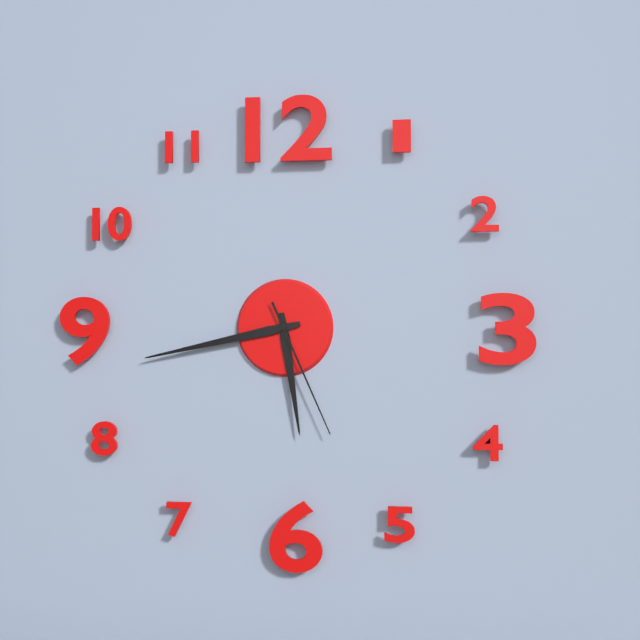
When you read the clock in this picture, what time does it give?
5:43:26
